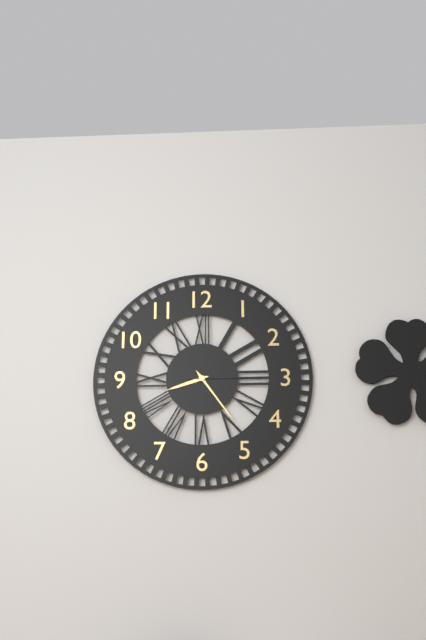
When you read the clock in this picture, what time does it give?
8:24:15
